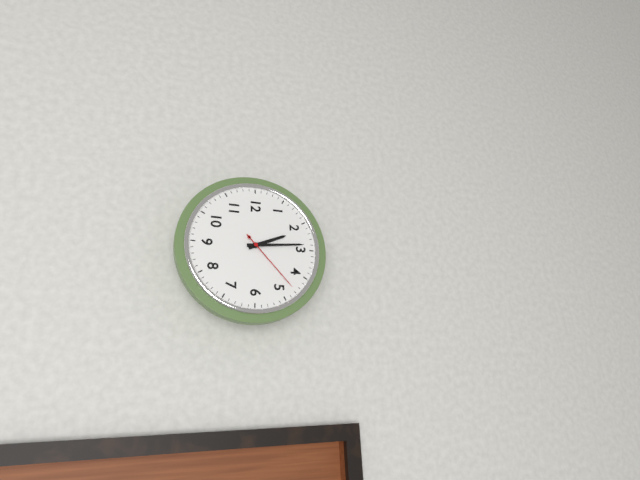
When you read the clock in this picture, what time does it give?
2:14:23
